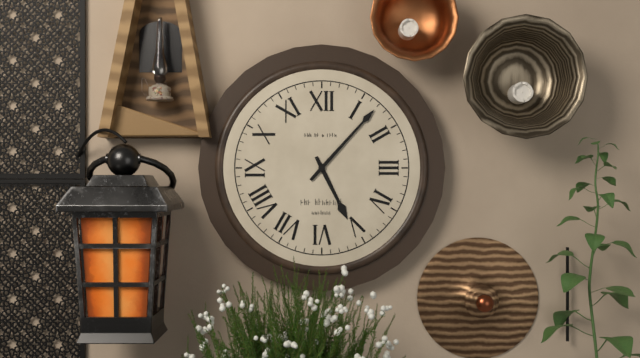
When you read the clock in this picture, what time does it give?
5:07
